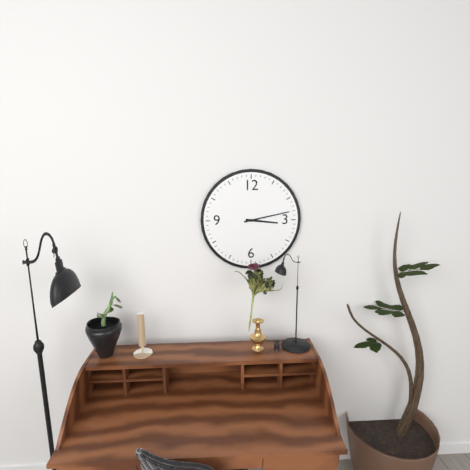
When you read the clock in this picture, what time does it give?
3:13
